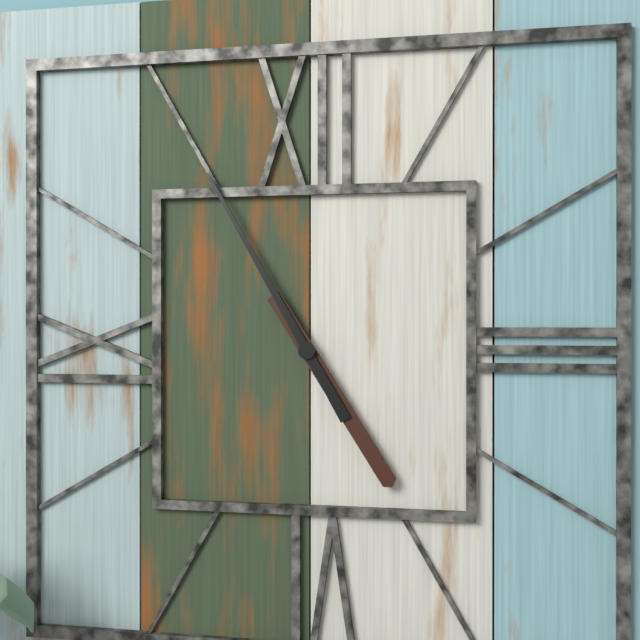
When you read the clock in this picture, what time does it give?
4:55
